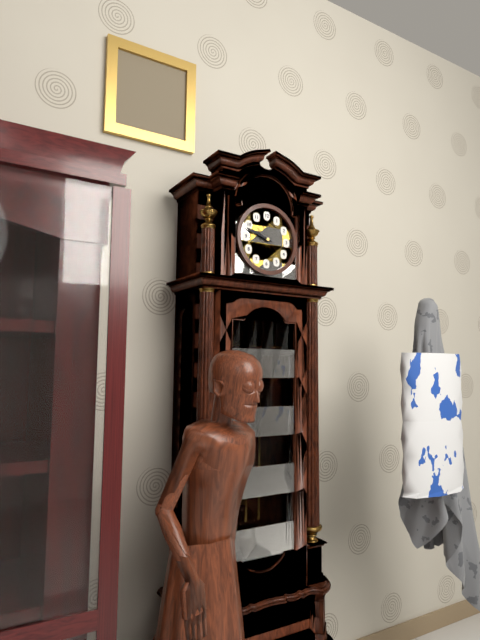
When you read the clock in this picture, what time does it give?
9:48
